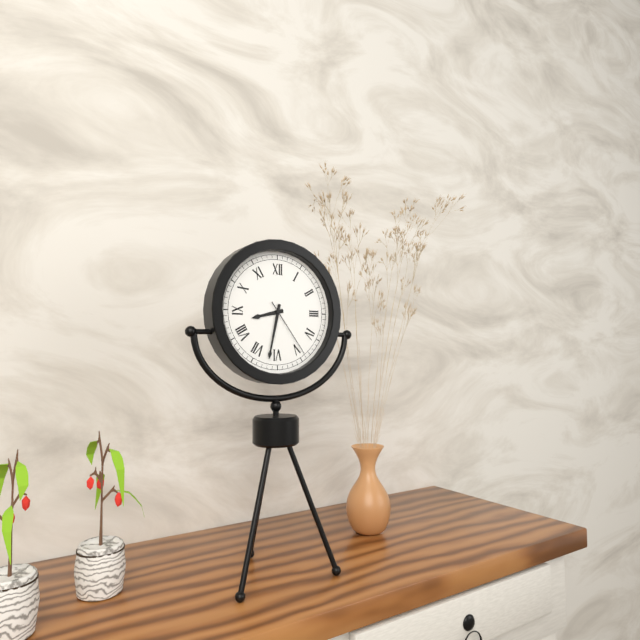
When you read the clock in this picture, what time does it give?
8:32:24
